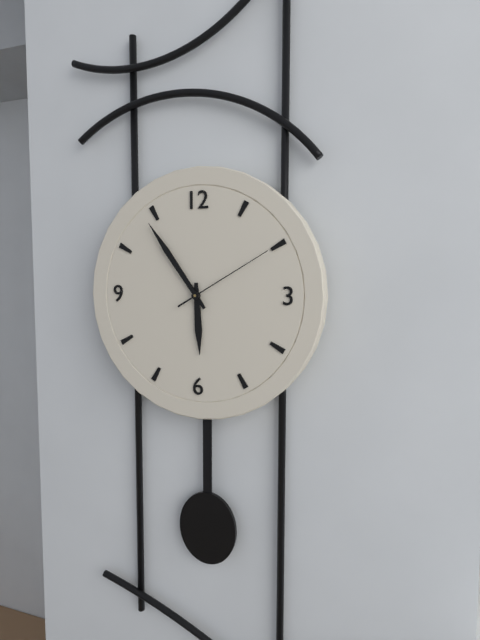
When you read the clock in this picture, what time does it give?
5:54:10
